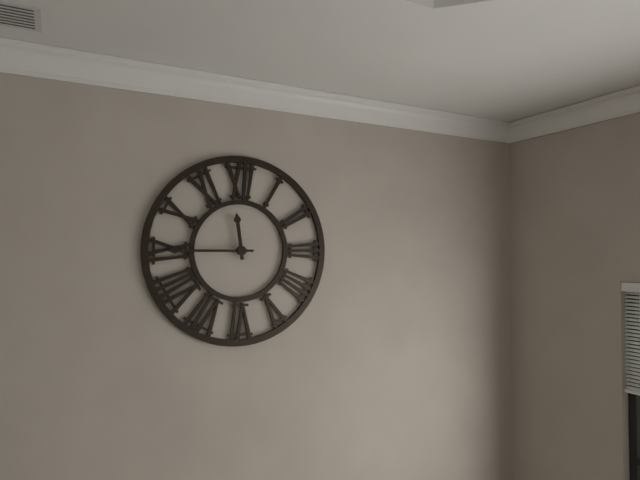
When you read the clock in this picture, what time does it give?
11:45
